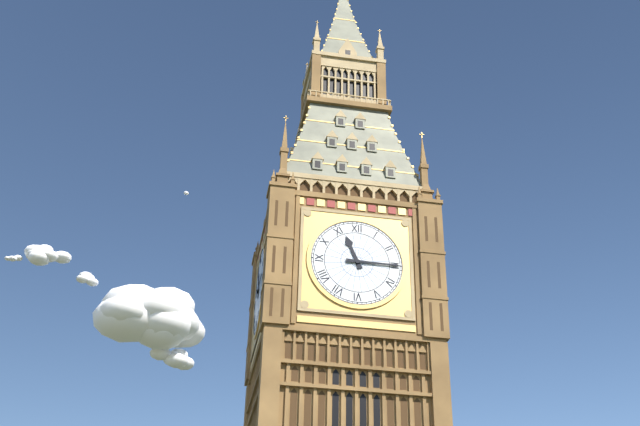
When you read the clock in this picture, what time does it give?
11:15
